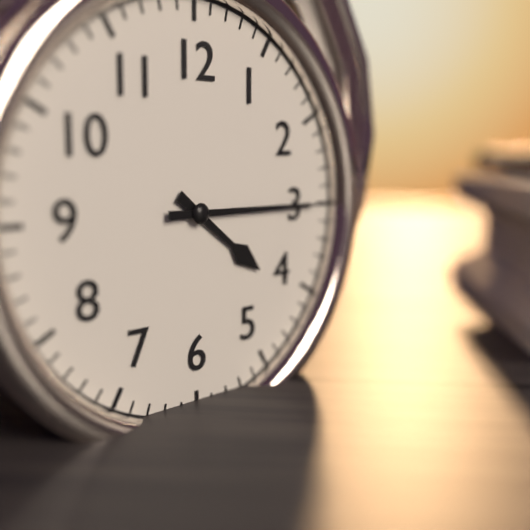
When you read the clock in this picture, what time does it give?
4:15
